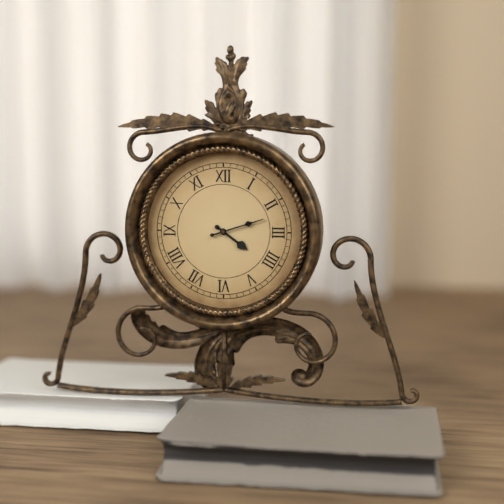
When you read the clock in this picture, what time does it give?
4:12
